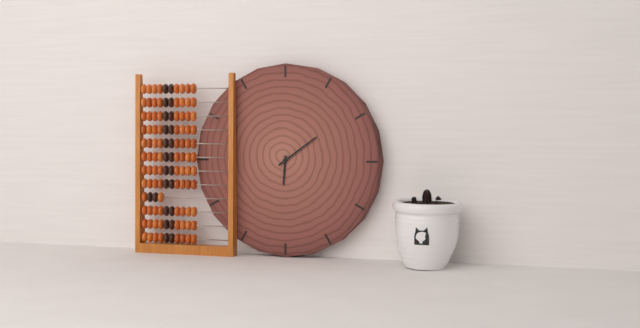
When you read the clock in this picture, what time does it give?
6:09
